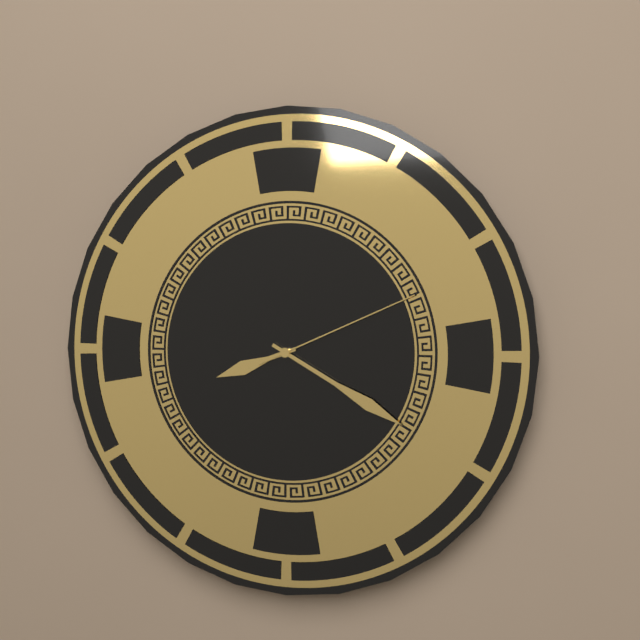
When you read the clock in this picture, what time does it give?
8:20:11
